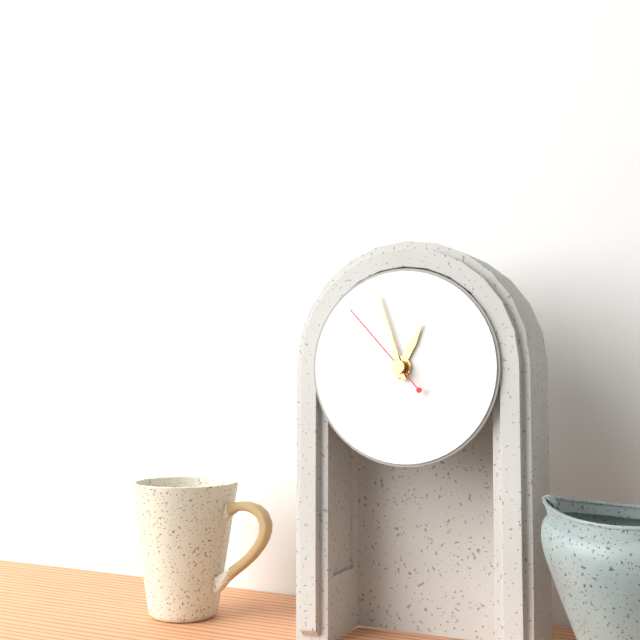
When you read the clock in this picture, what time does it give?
12:57:53
